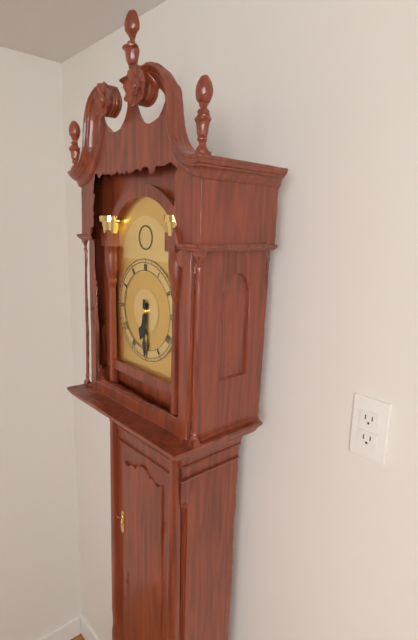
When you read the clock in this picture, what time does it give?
6:30
